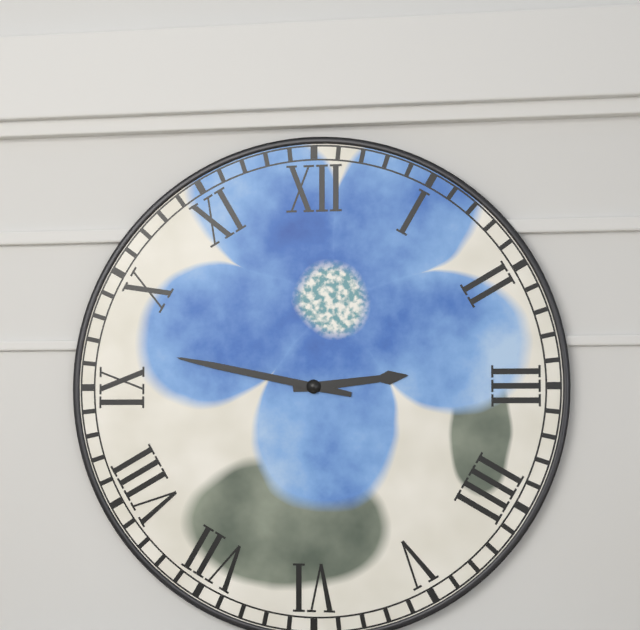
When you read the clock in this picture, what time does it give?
2:47
